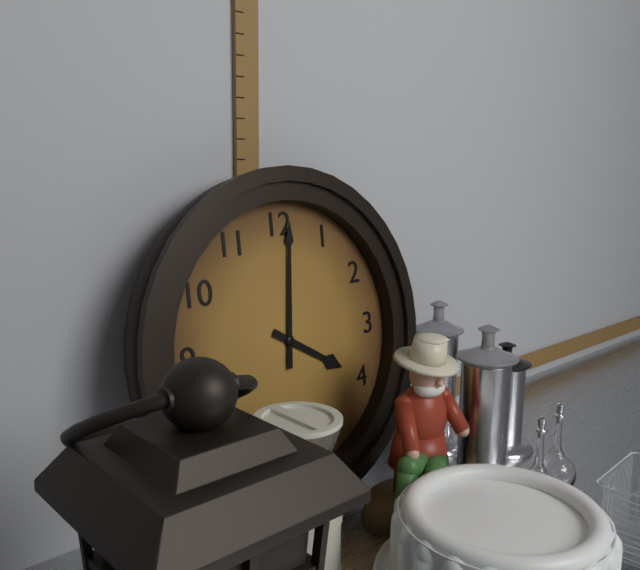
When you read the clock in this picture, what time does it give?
4:01
